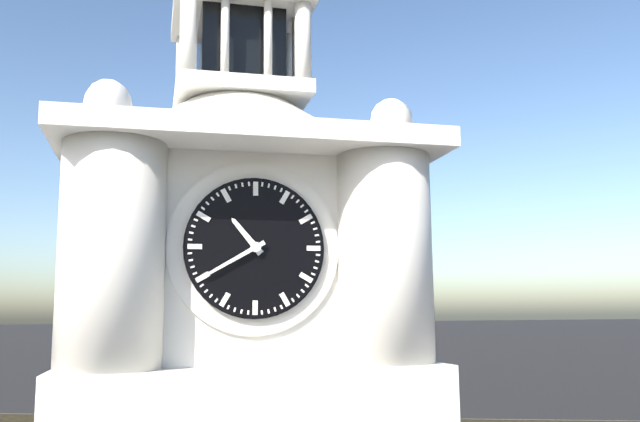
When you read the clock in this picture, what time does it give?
10:40
